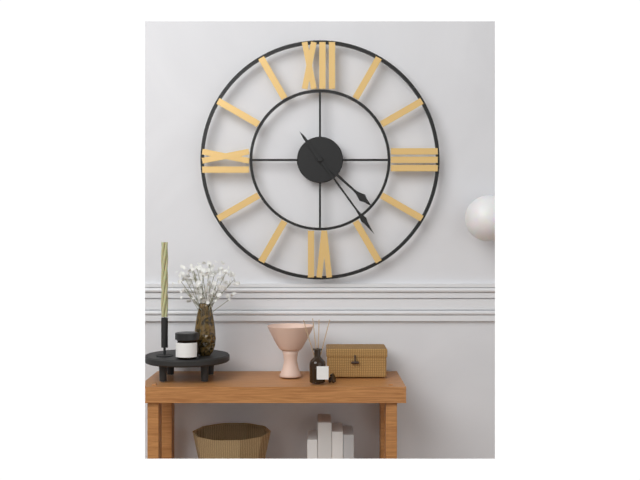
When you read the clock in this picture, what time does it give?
4:24
